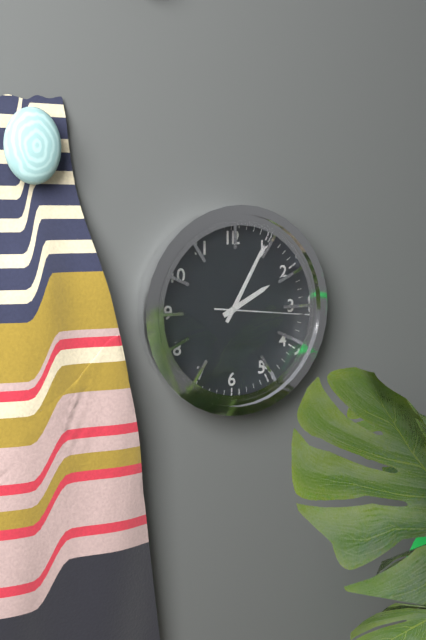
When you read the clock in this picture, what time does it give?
2:05:16
